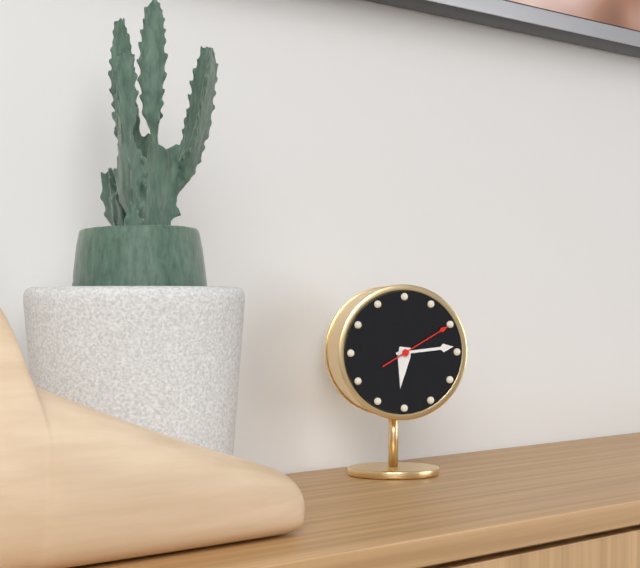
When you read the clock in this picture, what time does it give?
6:14:10
